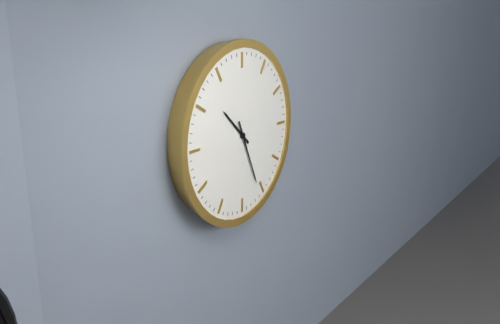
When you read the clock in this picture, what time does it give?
10:26
